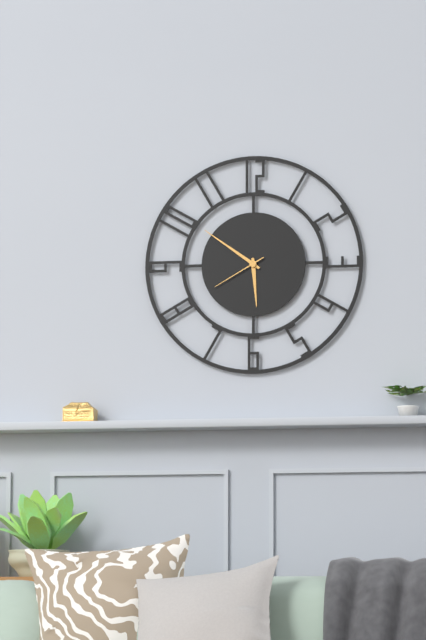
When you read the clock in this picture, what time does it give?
5:51:40
